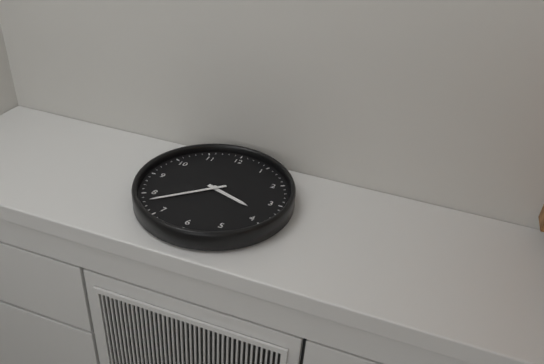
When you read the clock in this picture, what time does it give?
3:38
